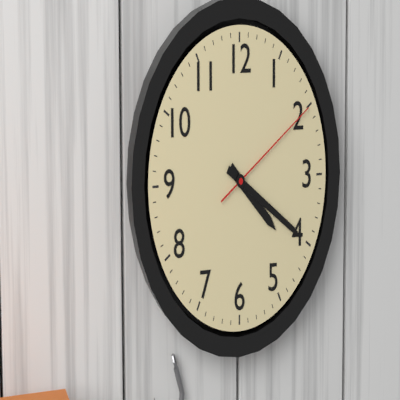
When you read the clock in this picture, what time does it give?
4:20:10
